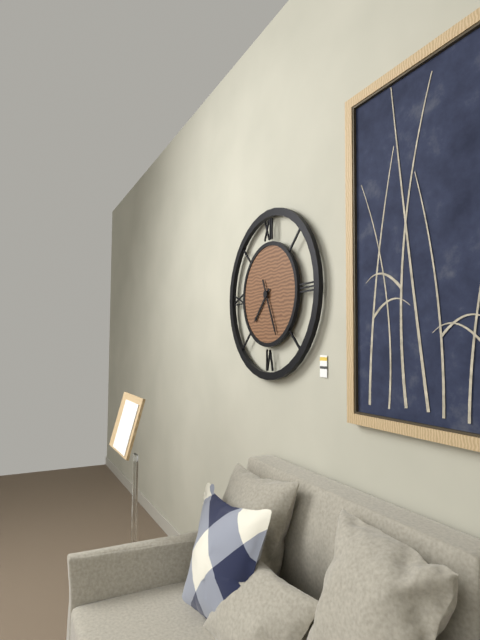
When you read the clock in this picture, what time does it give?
7:26
